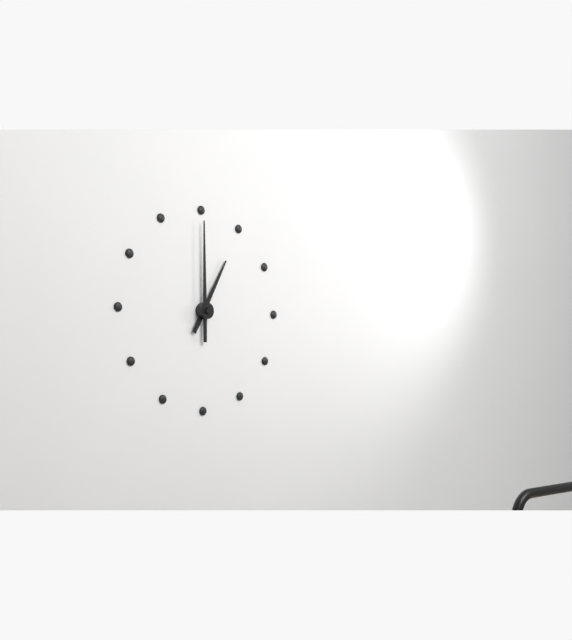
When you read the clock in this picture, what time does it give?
1:00
